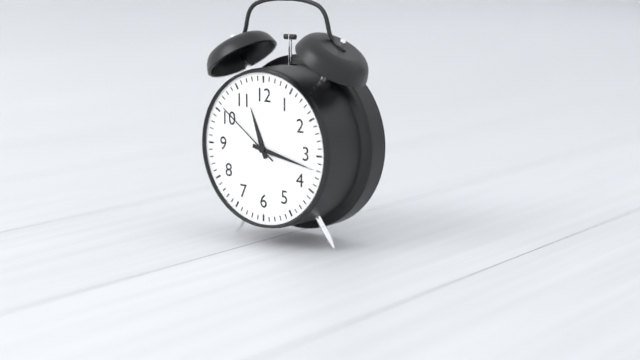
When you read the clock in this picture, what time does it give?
11:17:51
